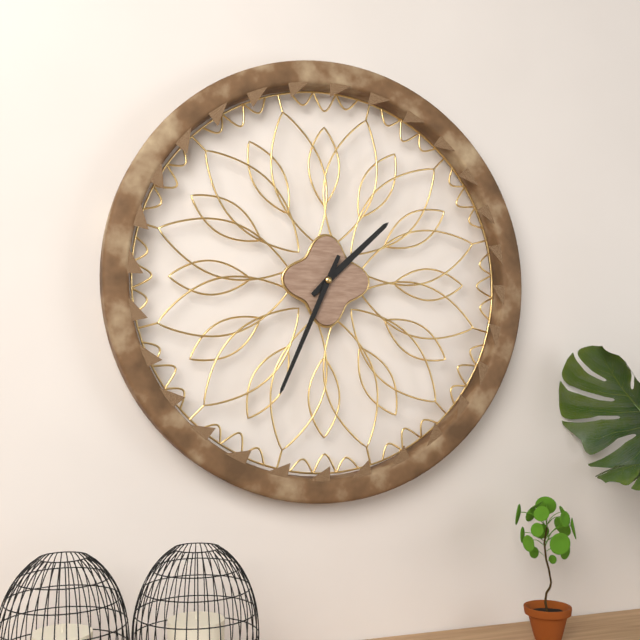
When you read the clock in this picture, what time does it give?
1:34
